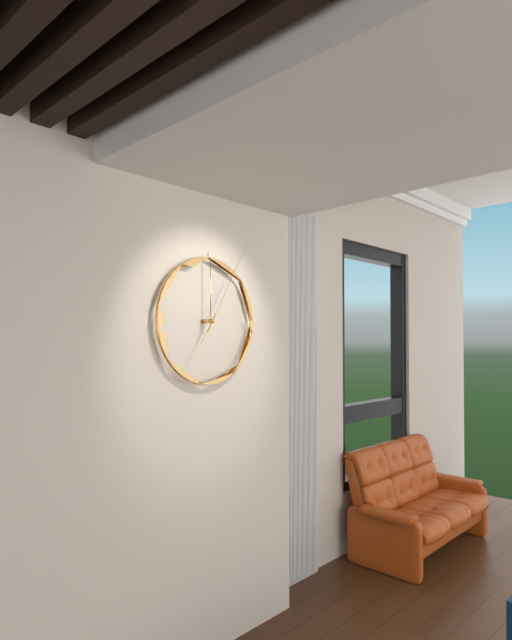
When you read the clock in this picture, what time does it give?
7:05
